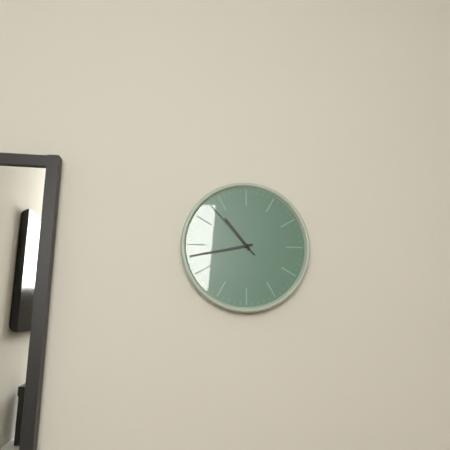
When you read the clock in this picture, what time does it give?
10:43:53
